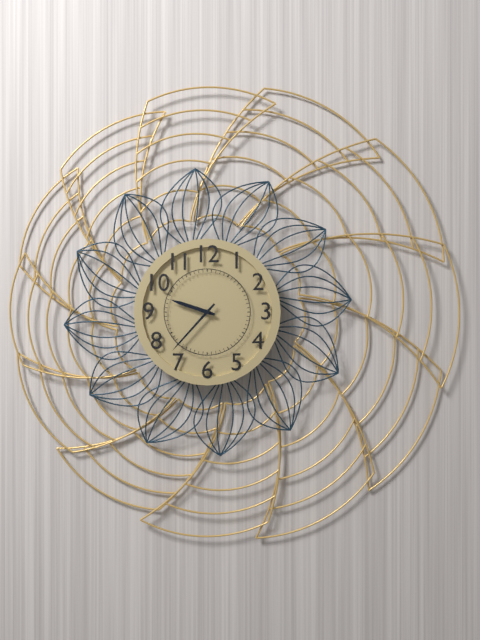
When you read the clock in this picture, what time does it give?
9:37
